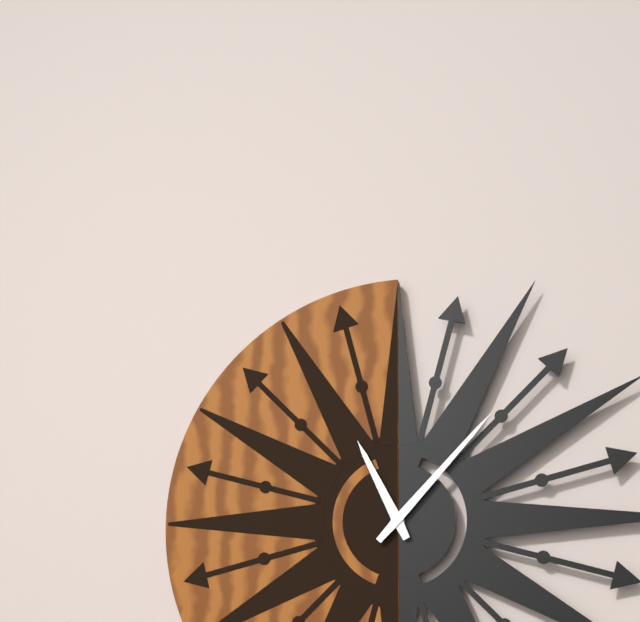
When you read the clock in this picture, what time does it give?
11:07
